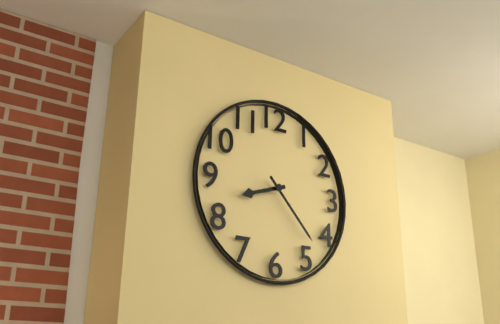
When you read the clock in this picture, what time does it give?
8:23
